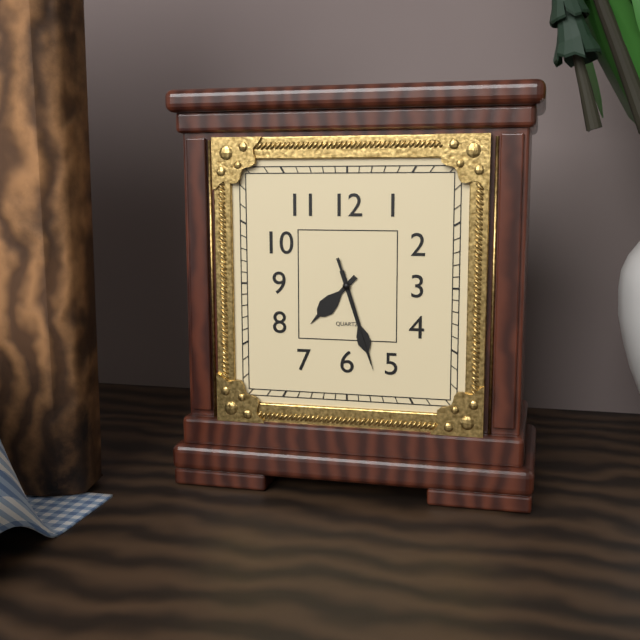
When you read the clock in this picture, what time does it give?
7:27:27
